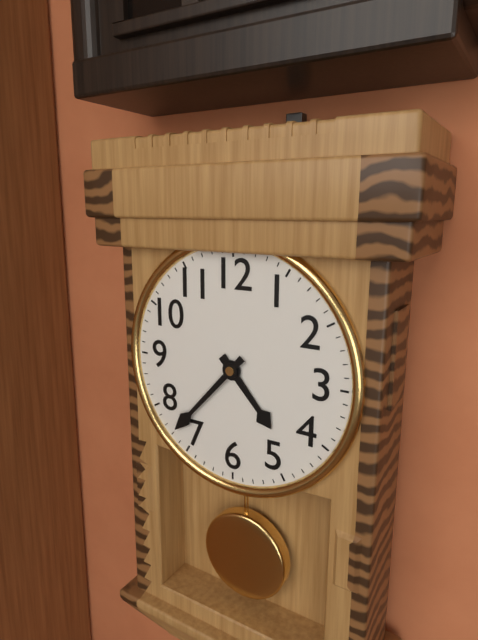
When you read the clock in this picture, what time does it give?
4:37
